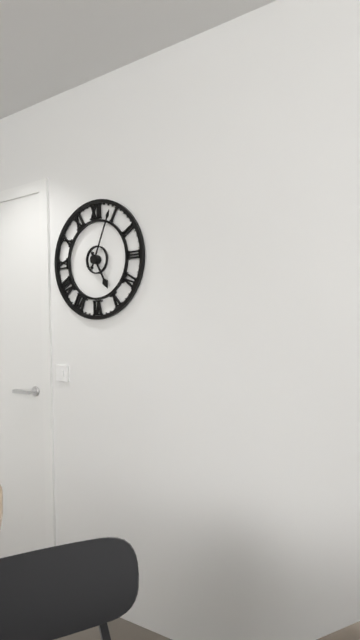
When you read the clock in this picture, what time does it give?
5:04
